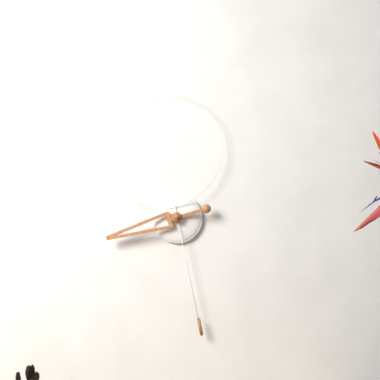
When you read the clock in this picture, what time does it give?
8:28
